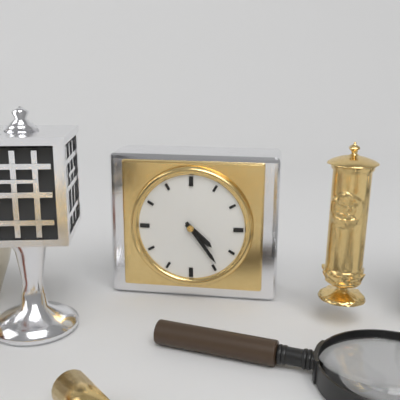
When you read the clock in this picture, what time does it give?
4:24
